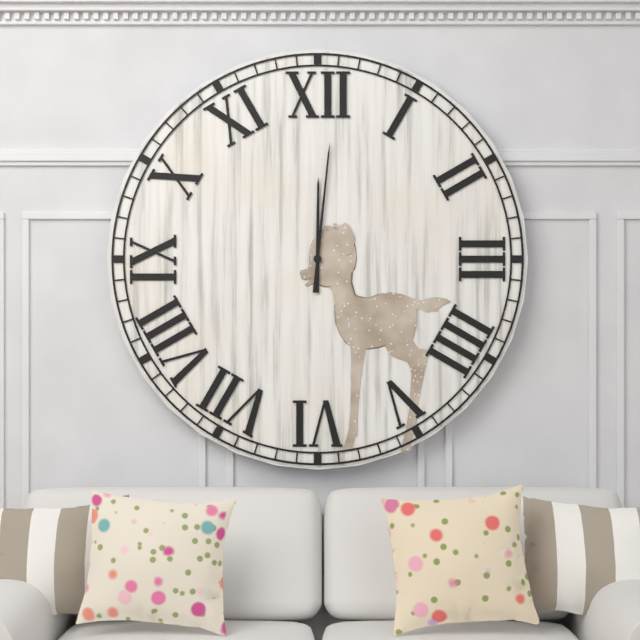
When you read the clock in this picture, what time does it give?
12:01
